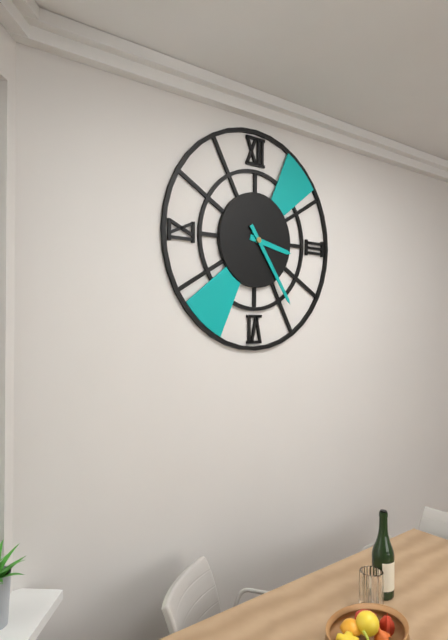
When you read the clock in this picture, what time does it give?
3:24
